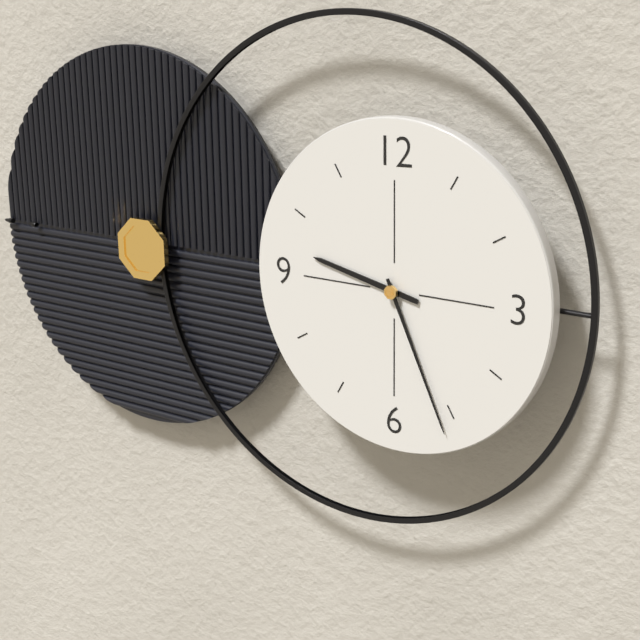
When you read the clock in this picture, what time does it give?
9:26
